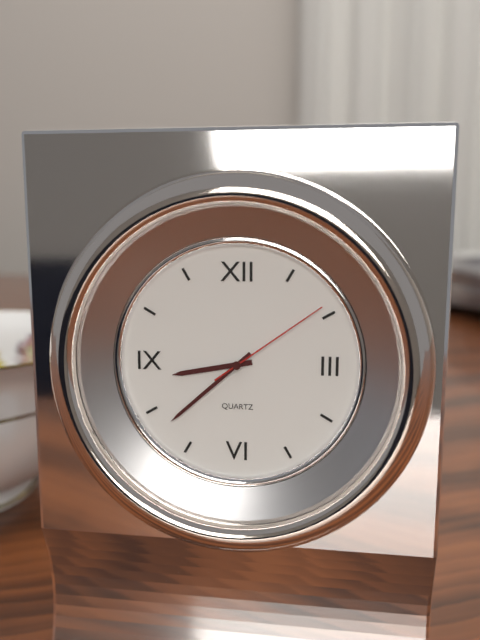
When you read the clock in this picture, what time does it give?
8:38:09
